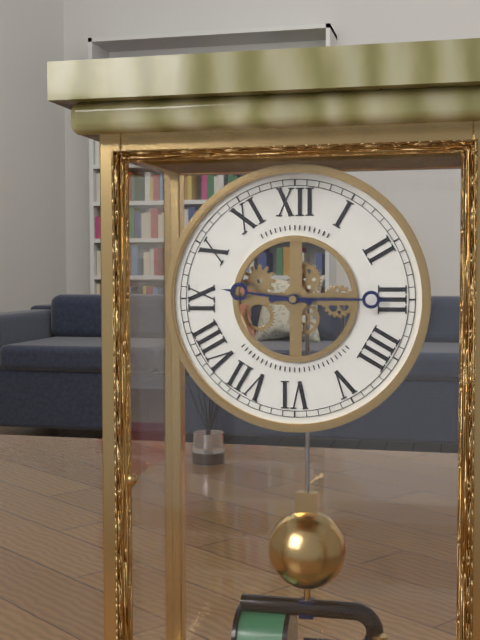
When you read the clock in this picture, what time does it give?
9:15
